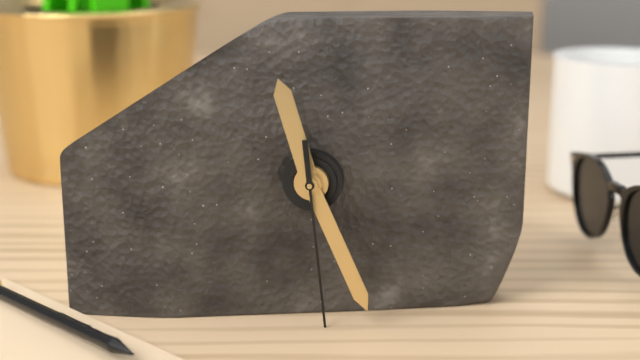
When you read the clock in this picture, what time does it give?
11:26
